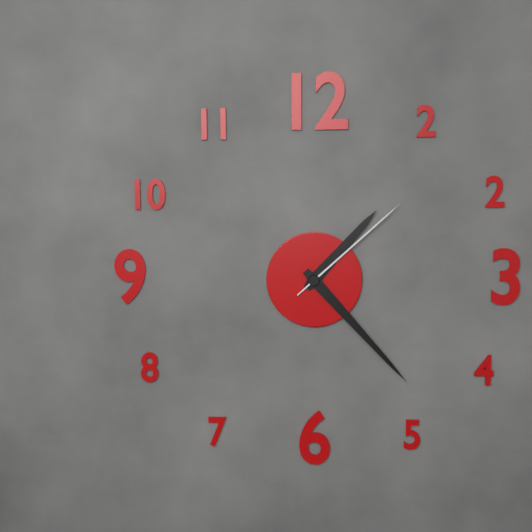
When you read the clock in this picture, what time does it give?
1:23:08
